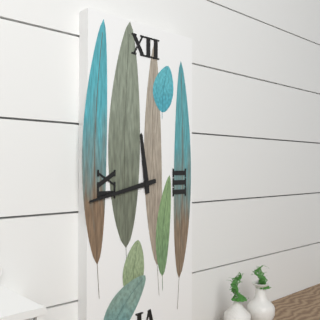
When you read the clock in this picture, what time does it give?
11:43
